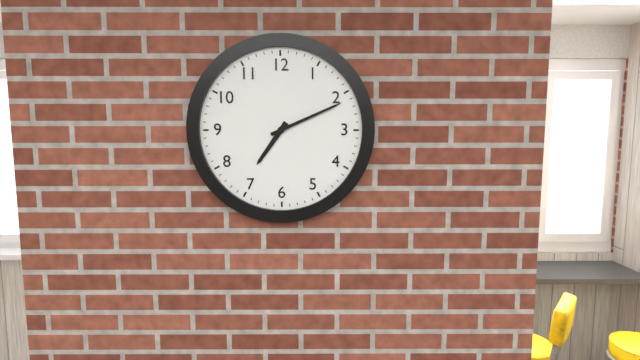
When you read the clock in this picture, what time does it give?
7:11
